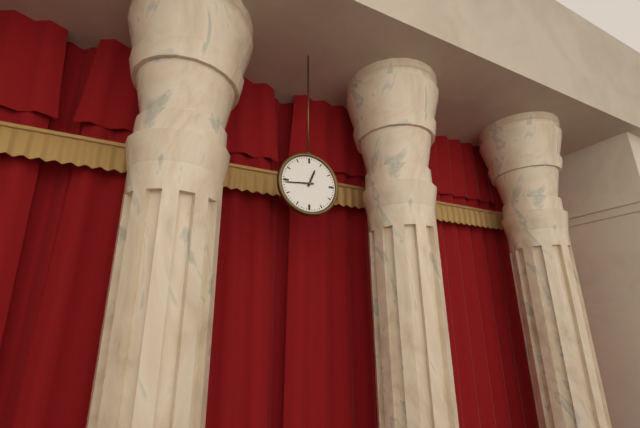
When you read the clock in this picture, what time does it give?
12:44
